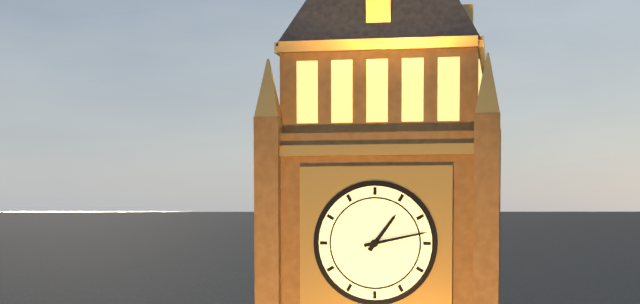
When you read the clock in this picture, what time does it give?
1:13
